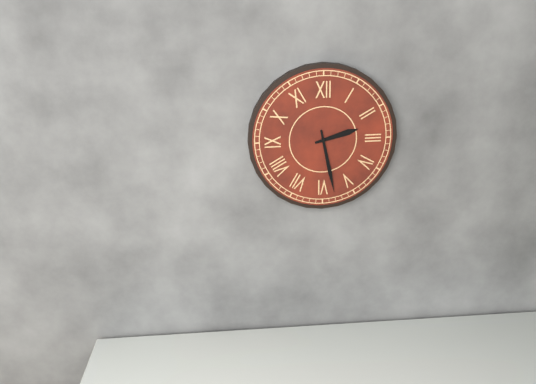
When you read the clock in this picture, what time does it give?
2:28
